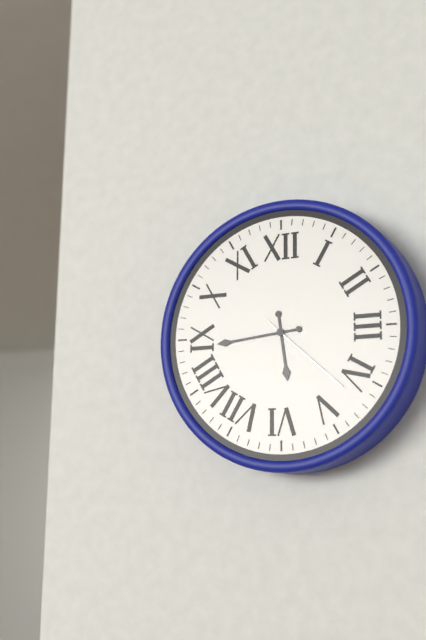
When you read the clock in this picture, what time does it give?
5:44:22
